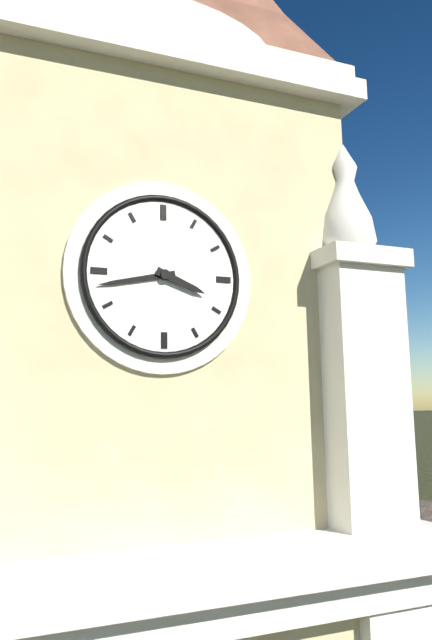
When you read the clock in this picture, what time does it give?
3:43
